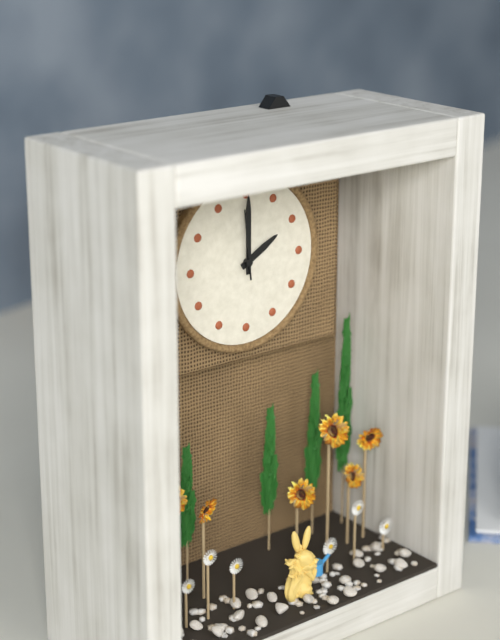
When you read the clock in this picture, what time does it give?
2:00:59
